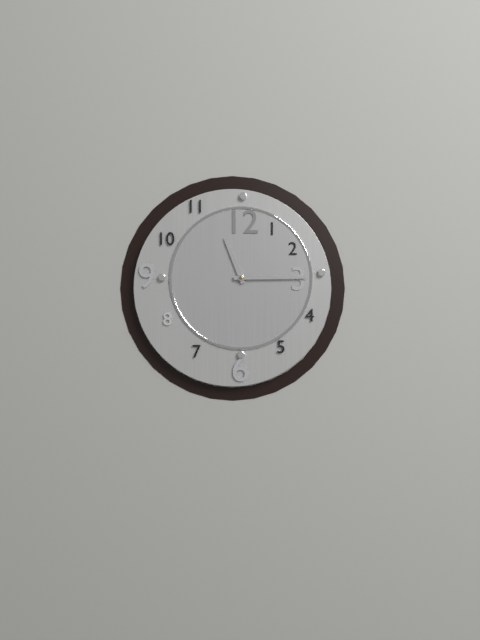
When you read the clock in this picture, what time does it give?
11:15
